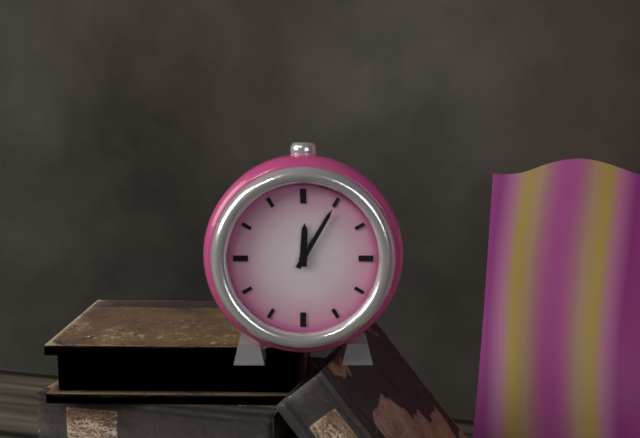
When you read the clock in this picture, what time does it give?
12:05
